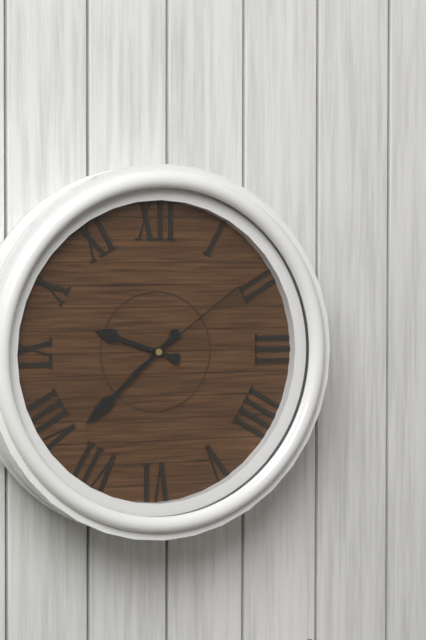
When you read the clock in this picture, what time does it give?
9:38:09
